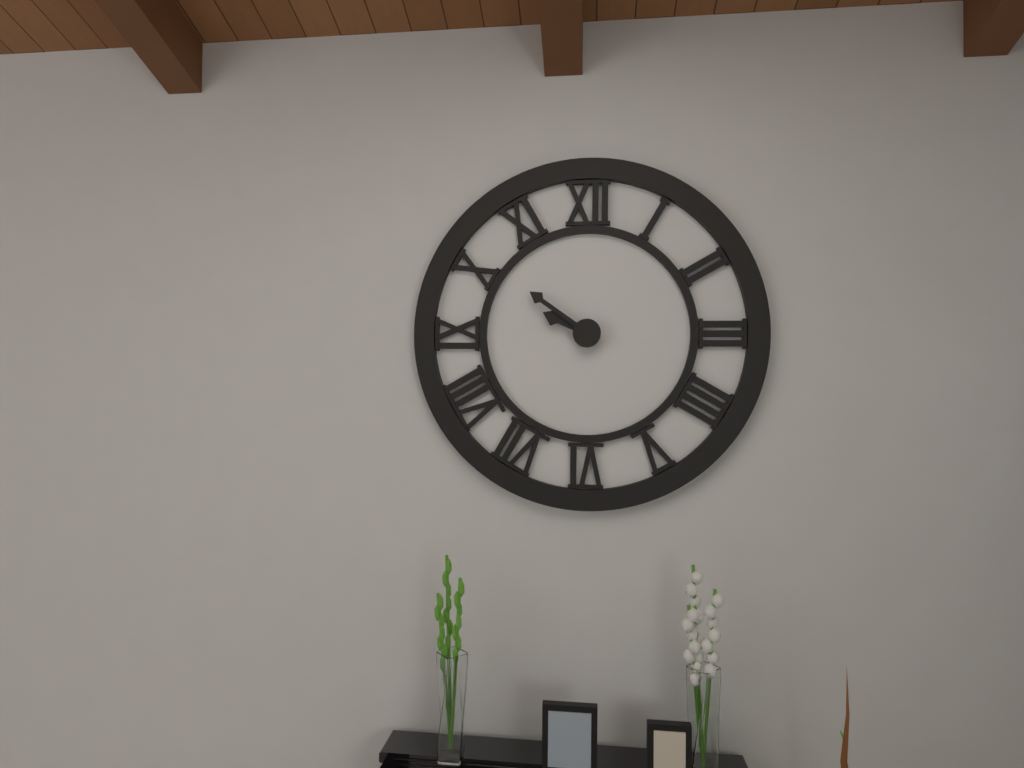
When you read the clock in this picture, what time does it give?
9:51
